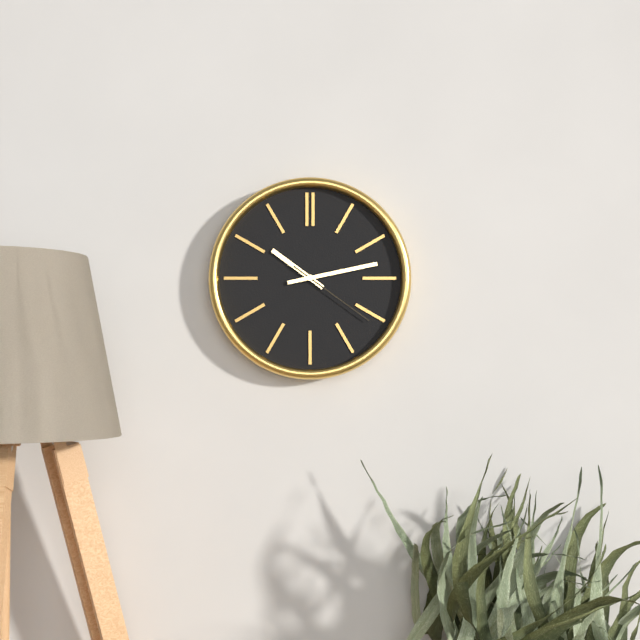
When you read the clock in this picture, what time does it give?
10:13:21
